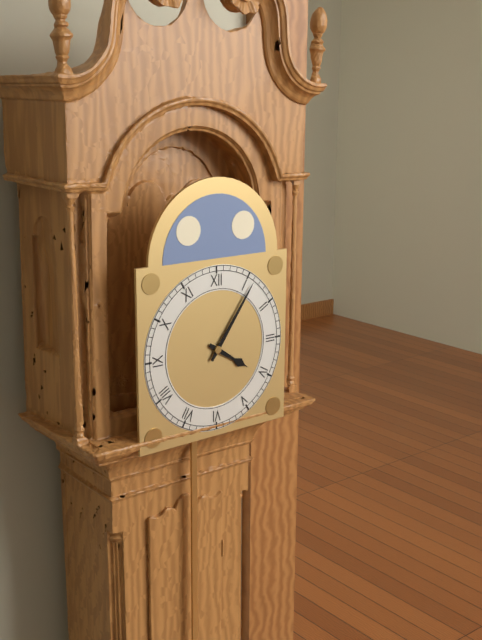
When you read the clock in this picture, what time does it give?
4:06
